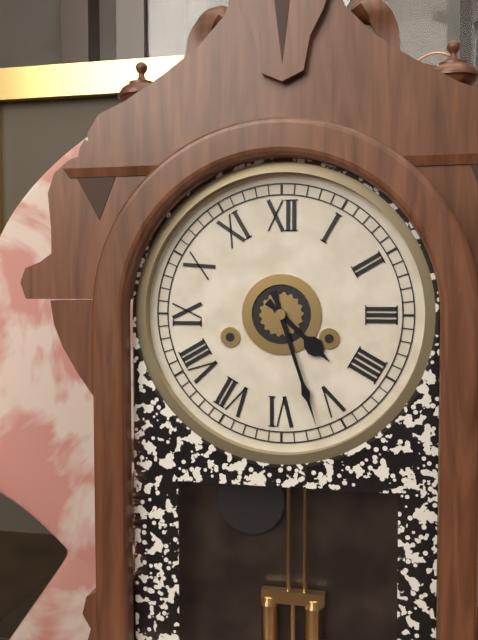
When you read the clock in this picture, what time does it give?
4:27
